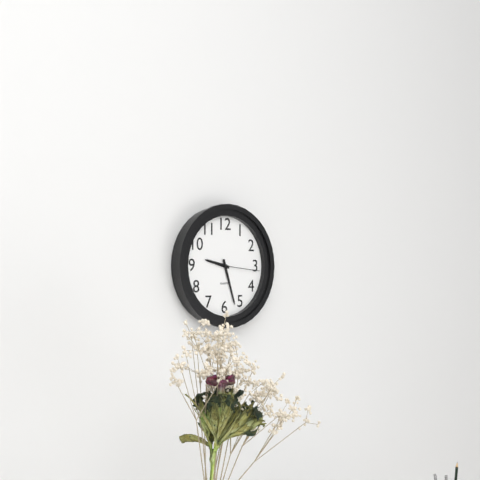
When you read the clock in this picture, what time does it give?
9:27
